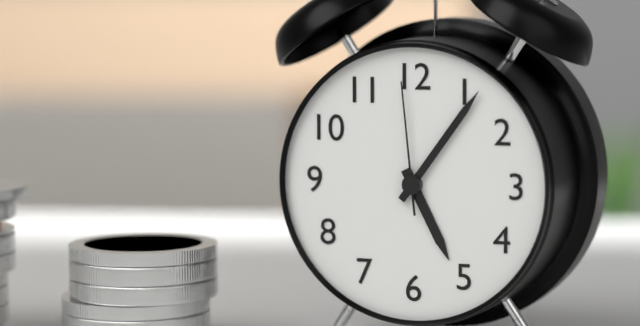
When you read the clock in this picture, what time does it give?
5:06:59
